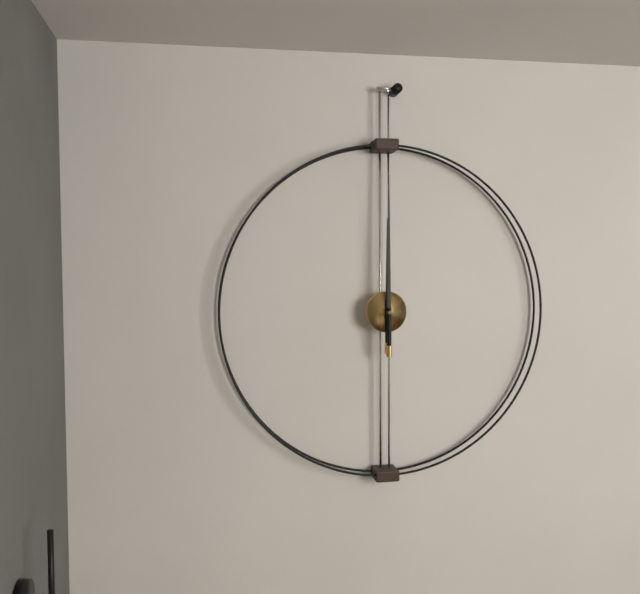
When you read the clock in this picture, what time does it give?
12:00
